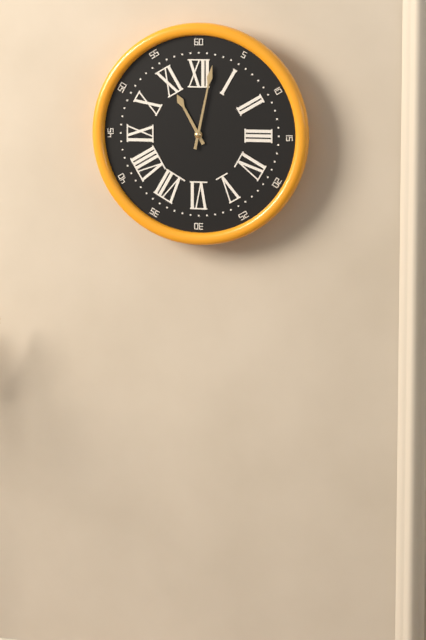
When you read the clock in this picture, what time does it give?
11:02
